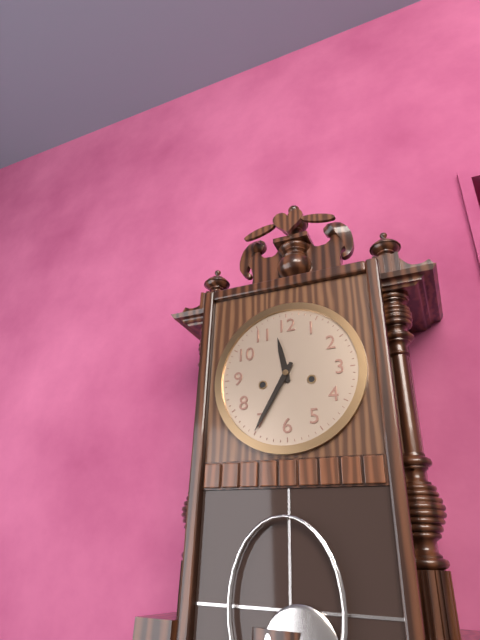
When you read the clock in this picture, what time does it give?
11:35
